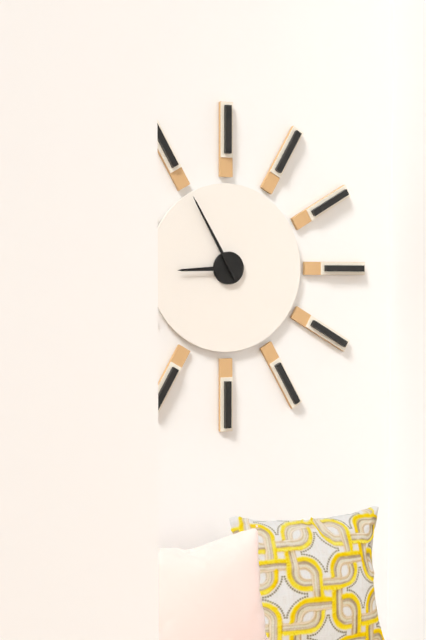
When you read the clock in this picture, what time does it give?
8:55
